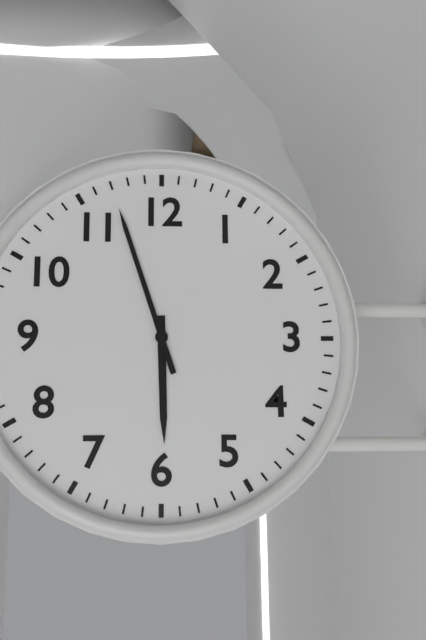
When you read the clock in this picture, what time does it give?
5:57
